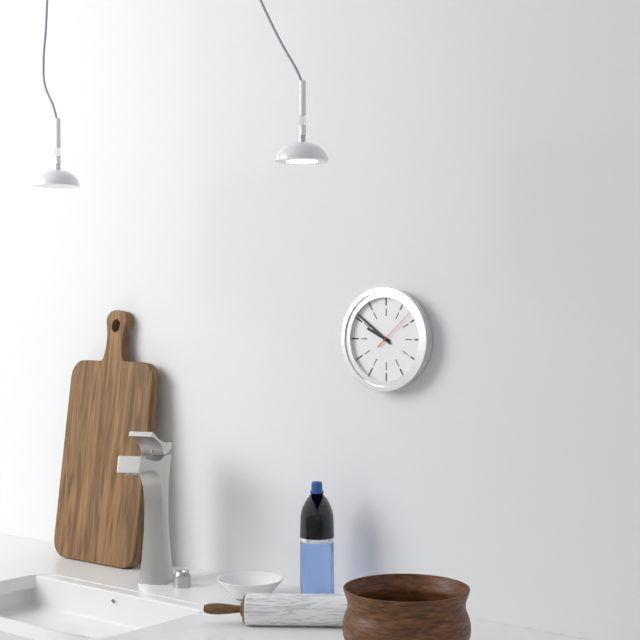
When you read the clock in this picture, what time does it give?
9:51
